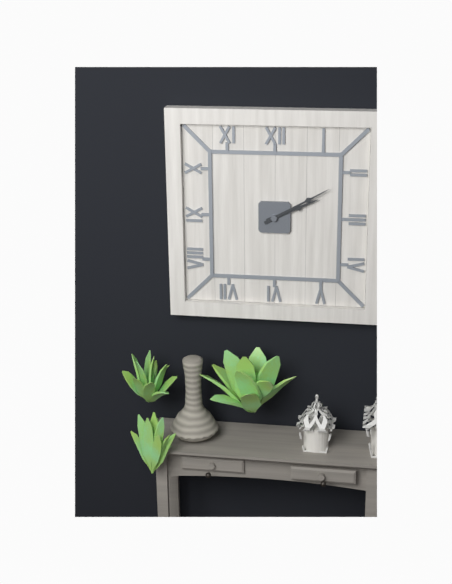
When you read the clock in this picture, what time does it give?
2:10
